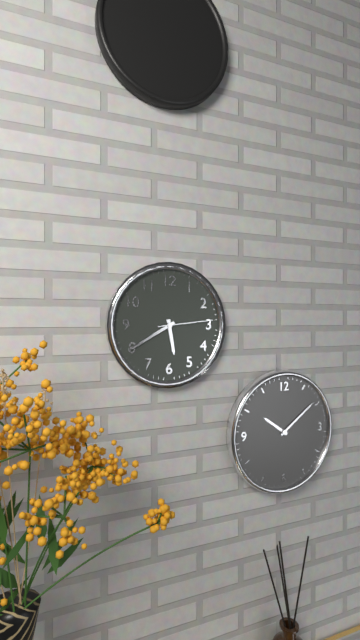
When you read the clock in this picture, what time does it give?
5:40:14
